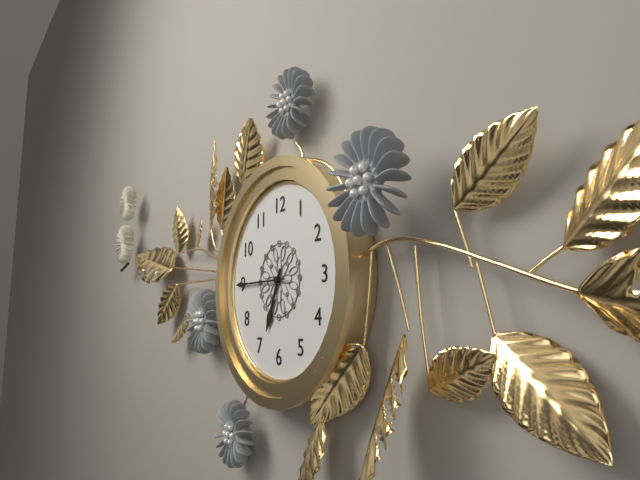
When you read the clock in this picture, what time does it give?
6:45
